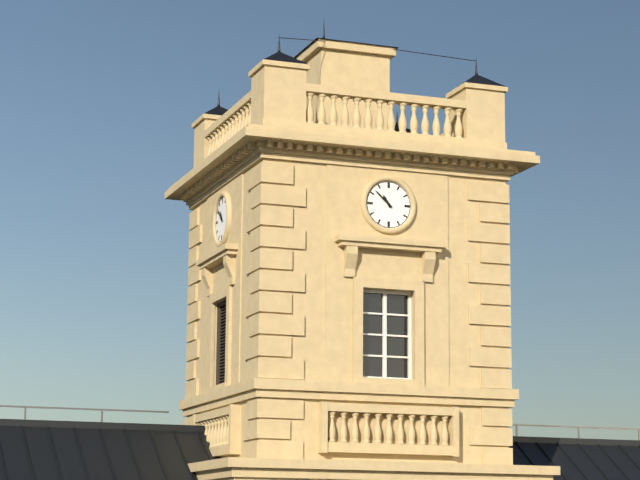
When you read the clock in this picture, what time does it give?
10:52
